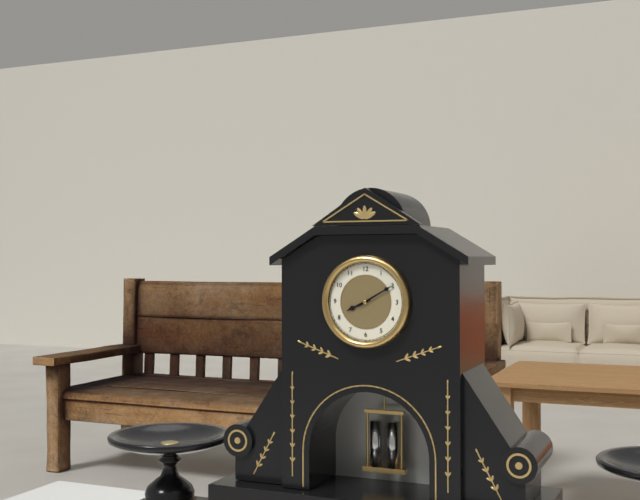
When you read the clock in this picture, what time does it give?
8:10
